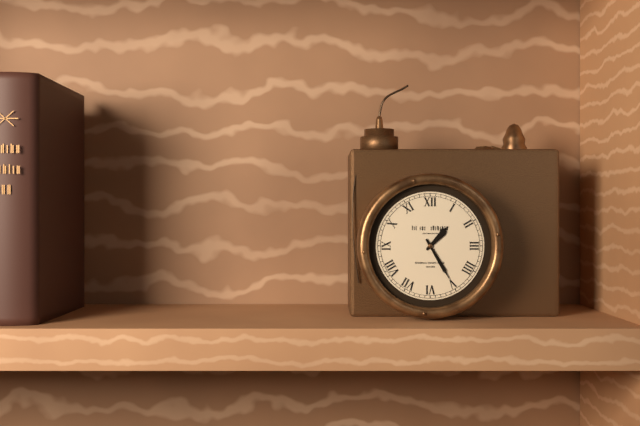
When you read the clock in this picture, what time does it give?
1:25
